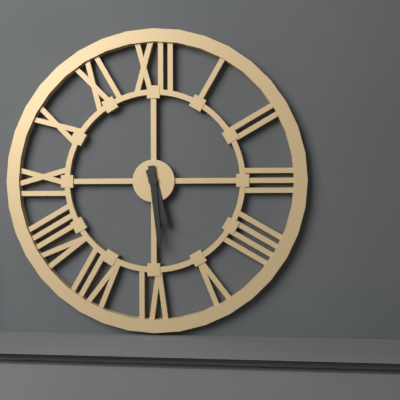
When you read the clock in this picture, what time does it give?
5:29
